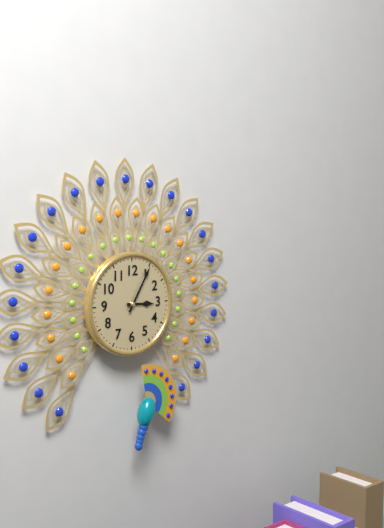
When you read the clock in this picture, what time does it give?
3:05
